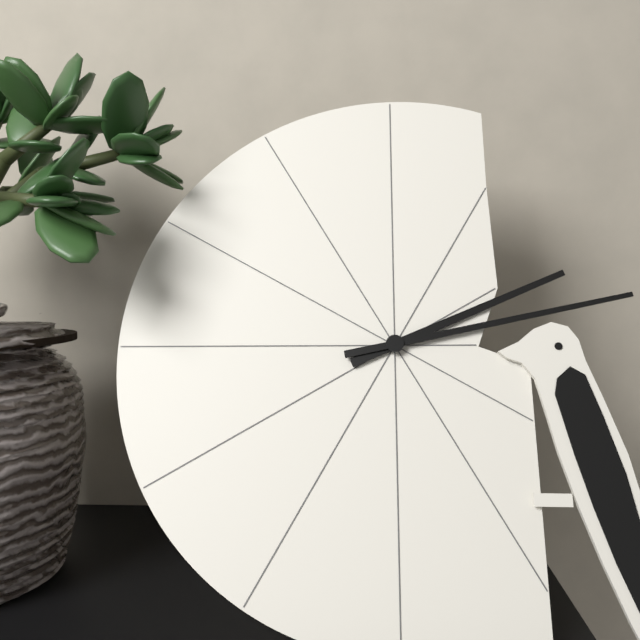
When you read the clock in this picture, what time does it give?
2:13
